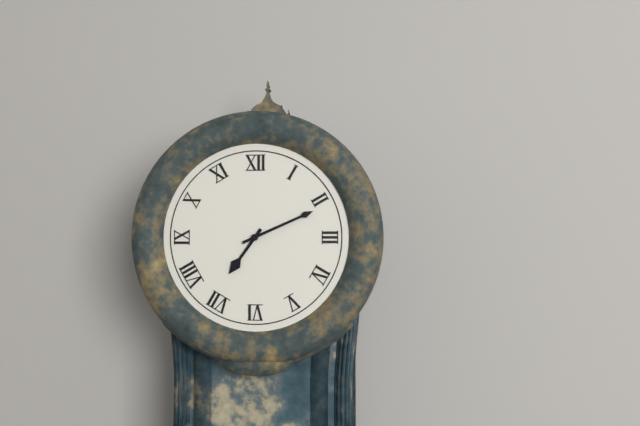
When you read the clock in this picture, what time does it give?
7:11
